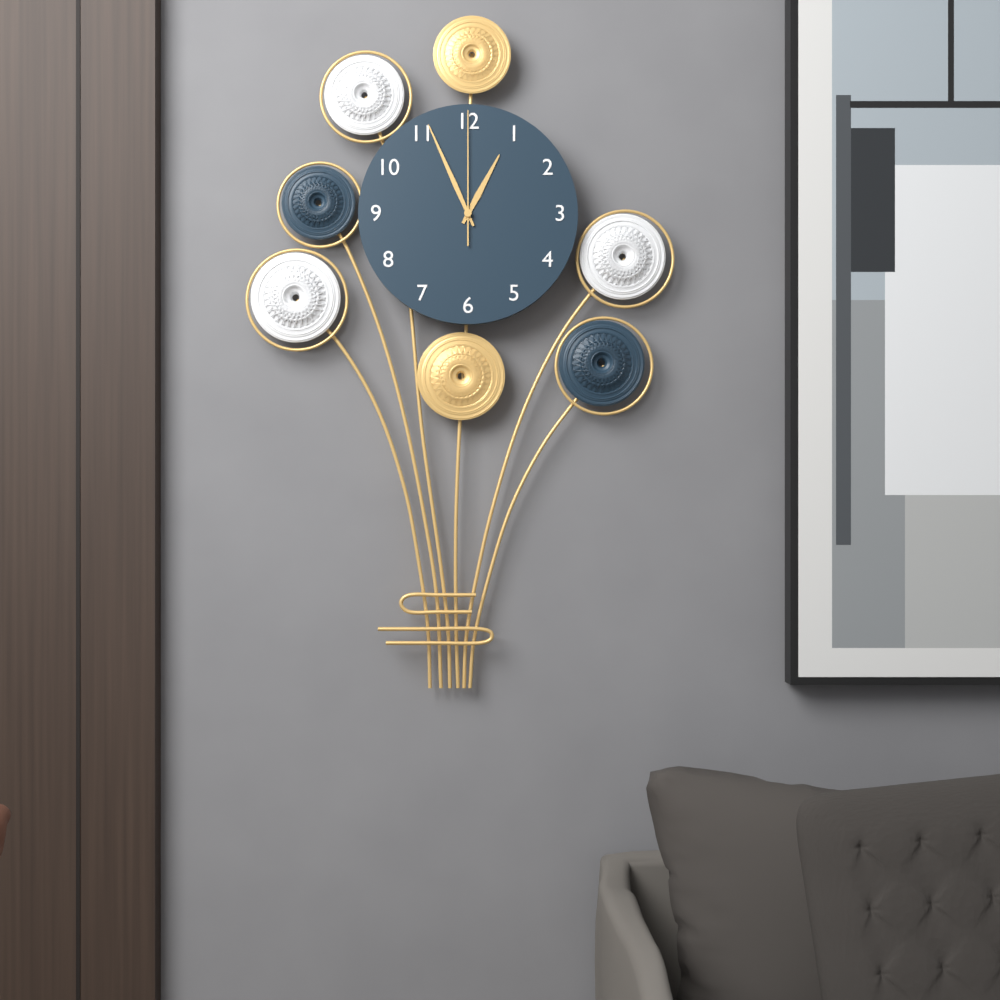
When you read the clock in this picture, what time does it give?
12:56:00
